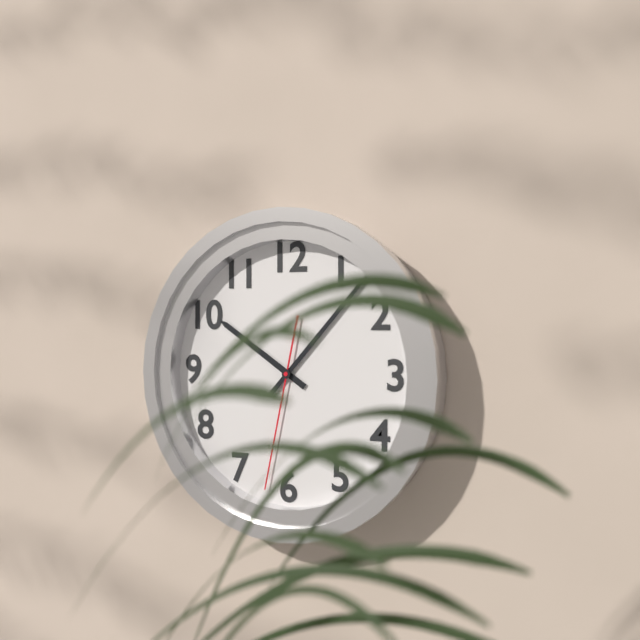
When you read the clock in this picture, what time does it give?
10:07:32
